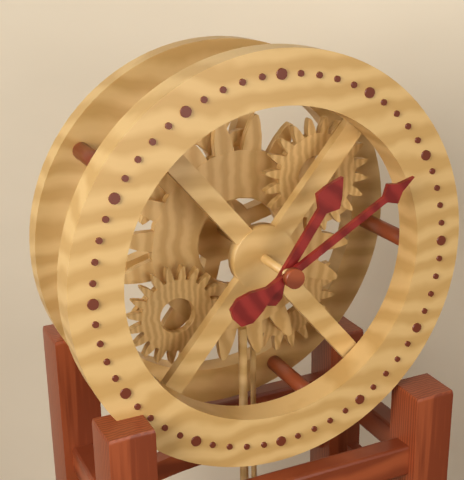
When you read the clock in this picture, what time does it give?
1:10
